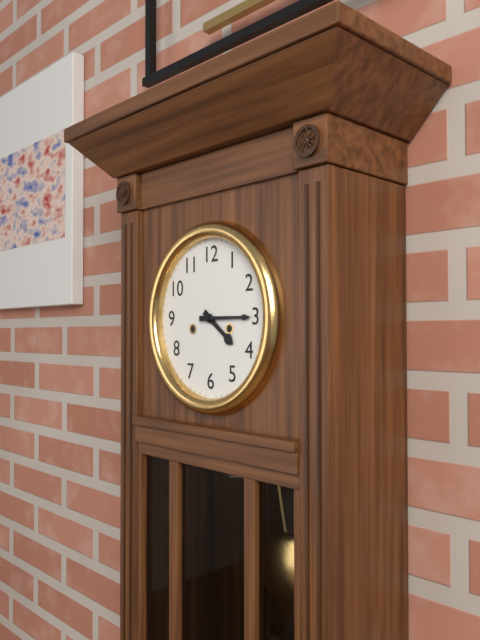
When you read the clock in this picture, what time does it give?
4:15
